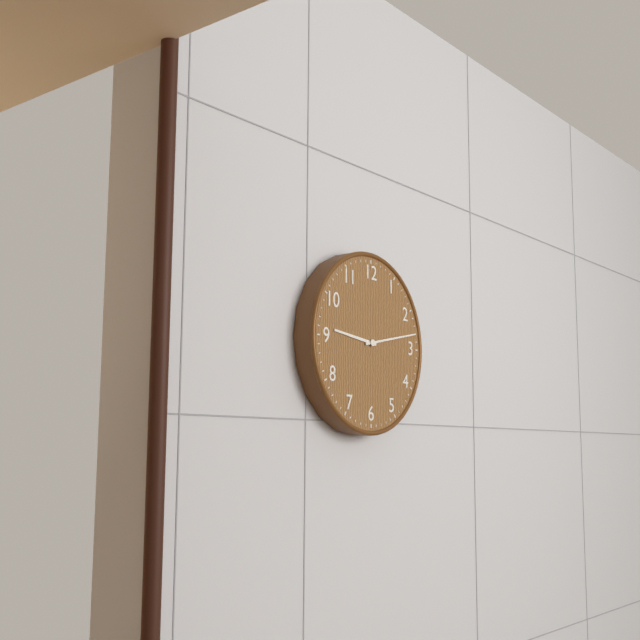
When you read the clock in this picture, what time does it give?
9:13
